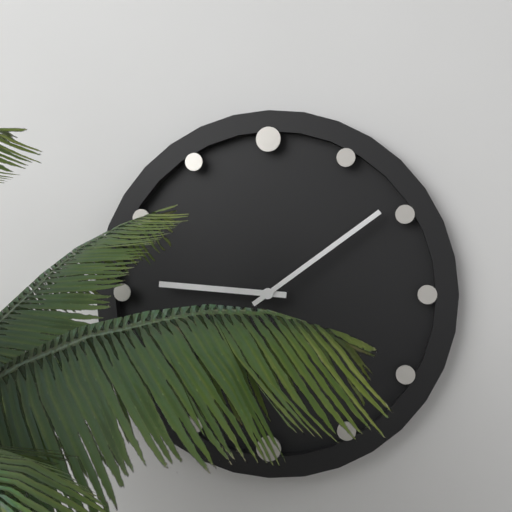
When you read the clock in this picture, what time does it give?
9:09
